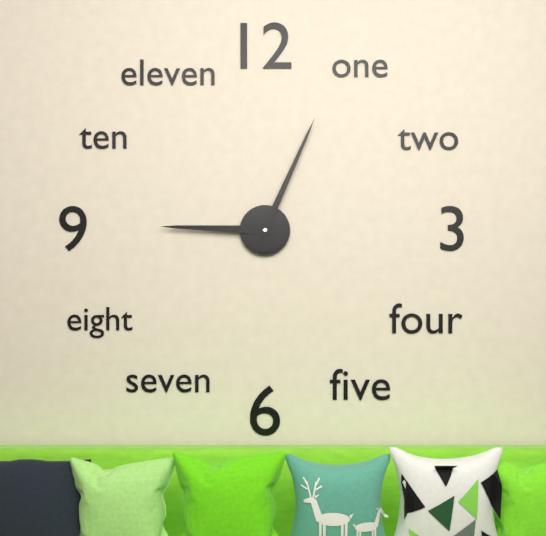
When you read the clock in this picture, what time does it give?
9:04
